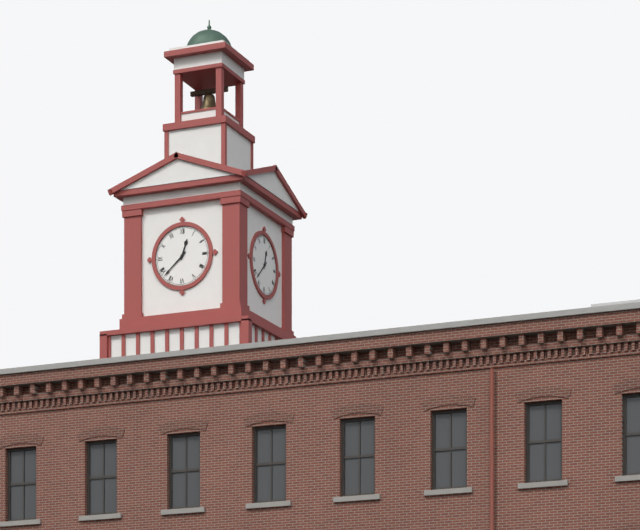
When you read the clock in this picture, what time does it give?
12:38
